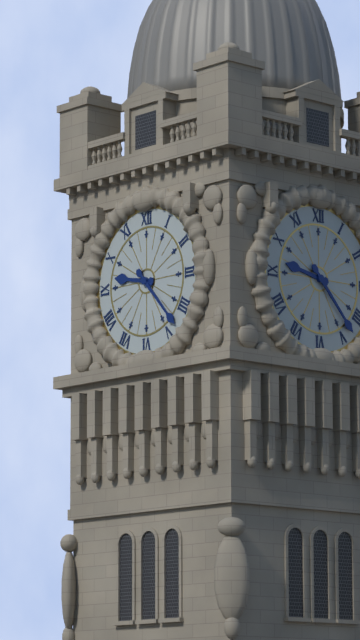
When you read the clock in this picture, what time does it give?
9:23
